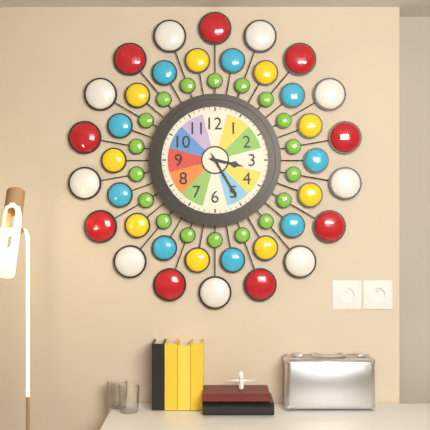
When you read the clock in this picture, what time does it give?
3:25
